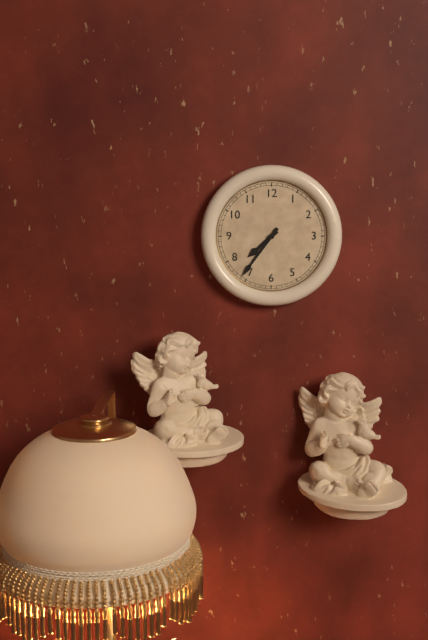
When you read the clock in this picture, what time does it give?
7:36
